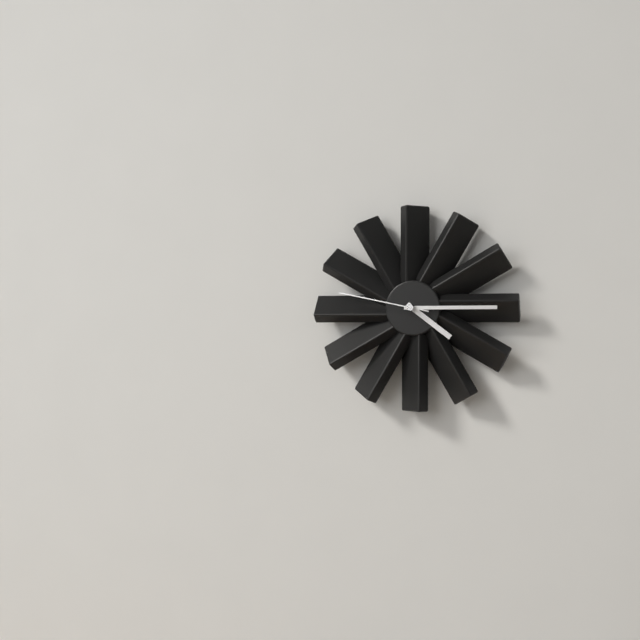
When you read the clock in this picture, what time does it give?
4:15:47
